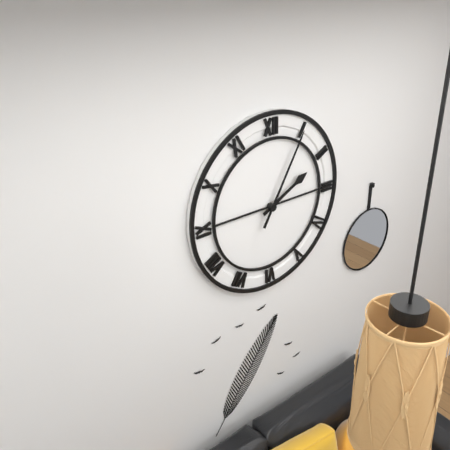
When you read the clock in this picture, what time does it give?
2:05
